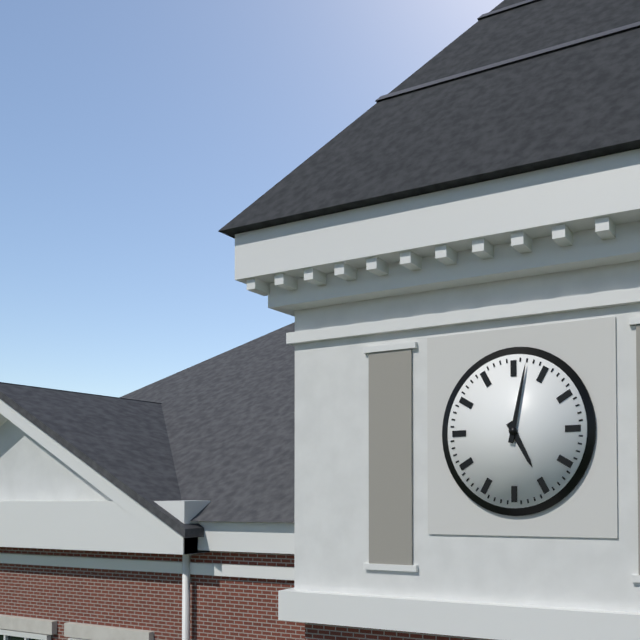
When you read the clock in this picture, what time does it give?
5:02
